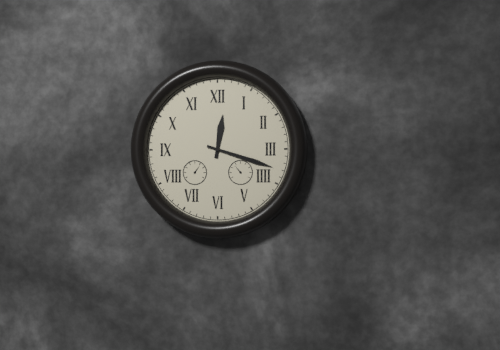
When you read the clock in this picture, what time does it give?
12:18
